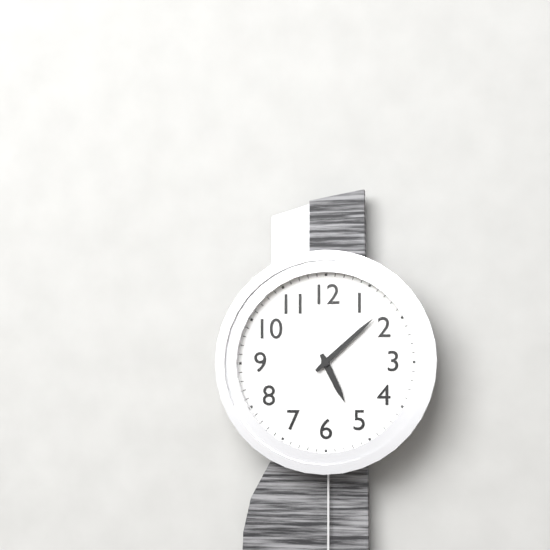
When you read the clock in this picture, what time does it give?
5:08
